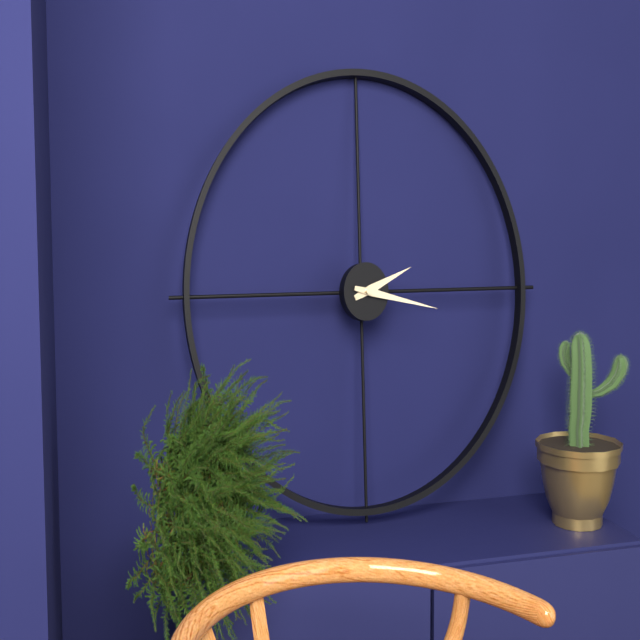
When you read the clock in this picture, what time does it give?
2:17
